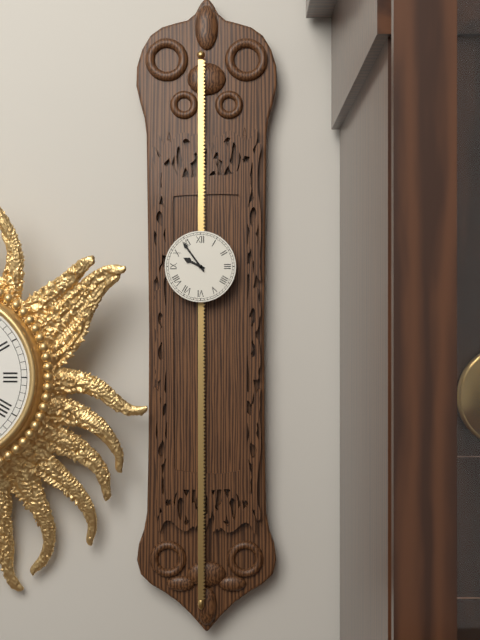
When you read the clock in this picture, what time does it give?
9:54
